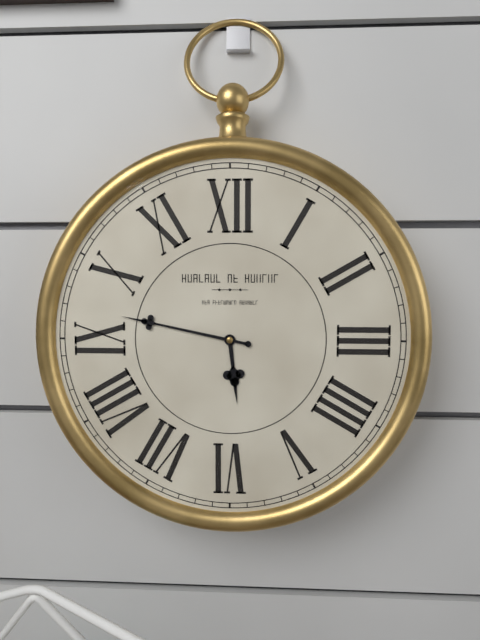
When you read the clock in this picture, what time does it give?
5:47
